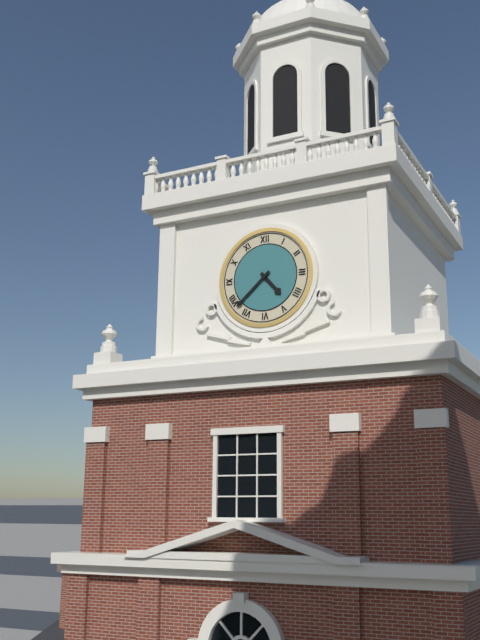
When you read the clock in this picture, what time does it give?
4:38
